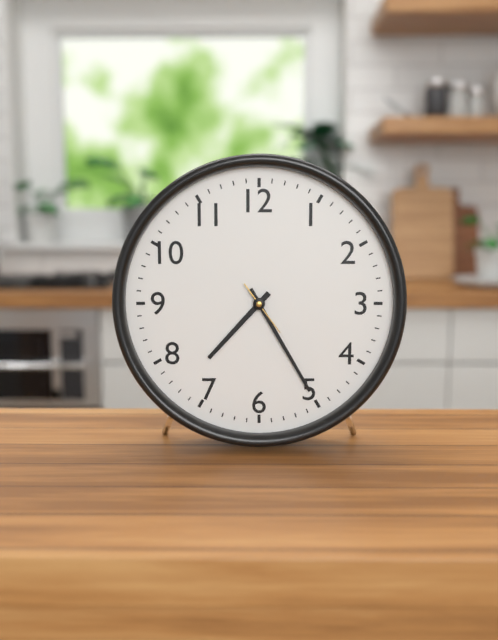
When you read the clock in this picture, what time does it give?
7:25
